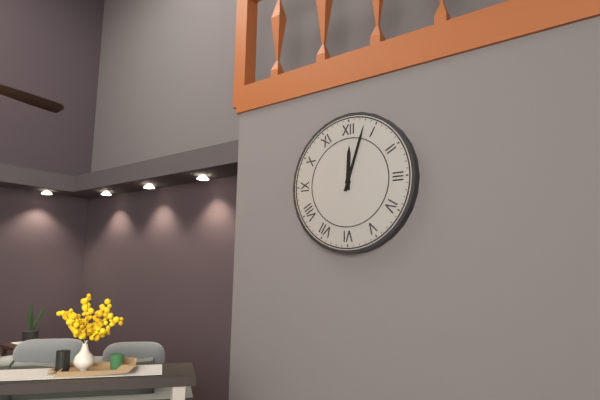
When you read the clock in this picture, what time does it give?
12:03
